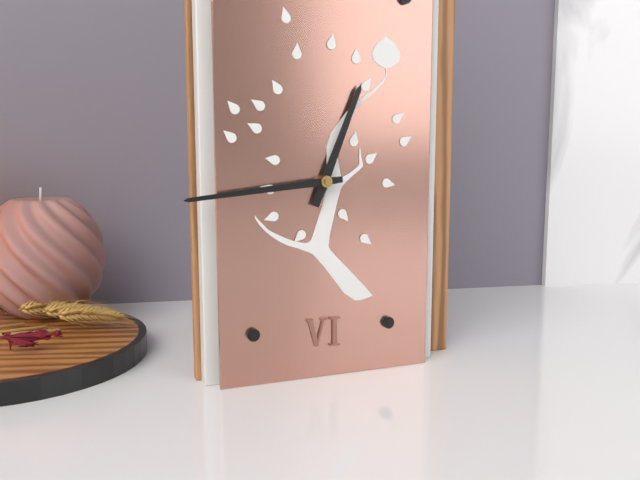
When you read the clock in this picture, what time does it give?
12:44
